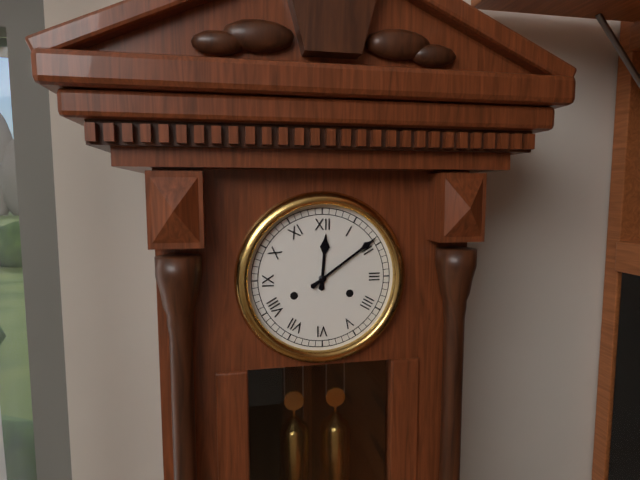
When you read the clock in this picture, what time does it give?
12:09
